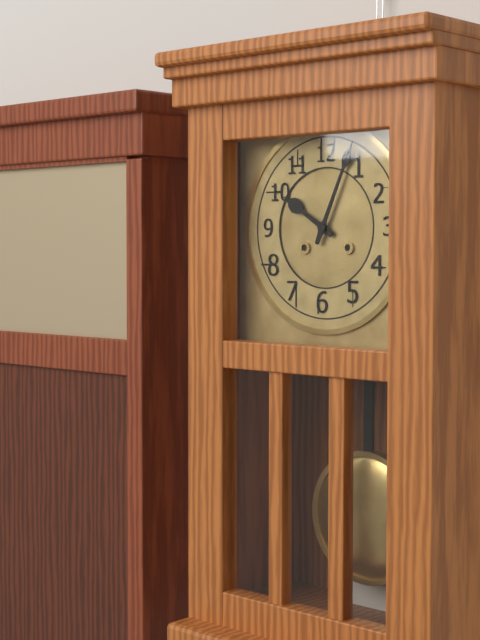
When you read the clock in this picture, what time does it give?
10:04
